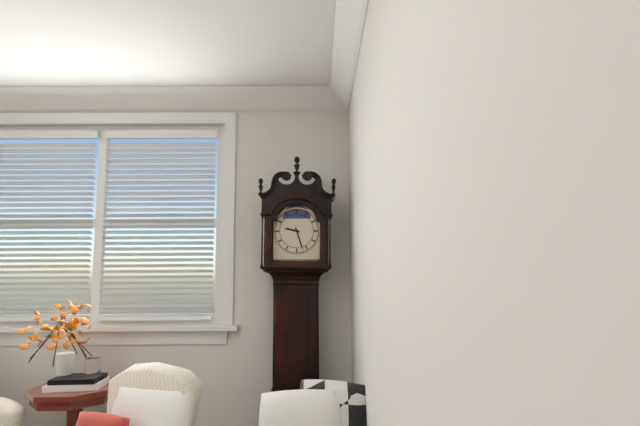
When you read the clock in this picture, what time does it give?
9:27
